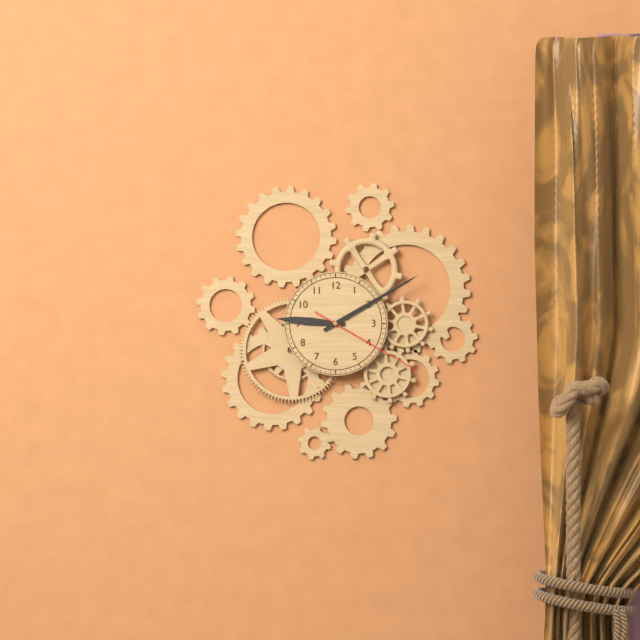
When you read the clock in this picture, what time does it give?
9:10:20
